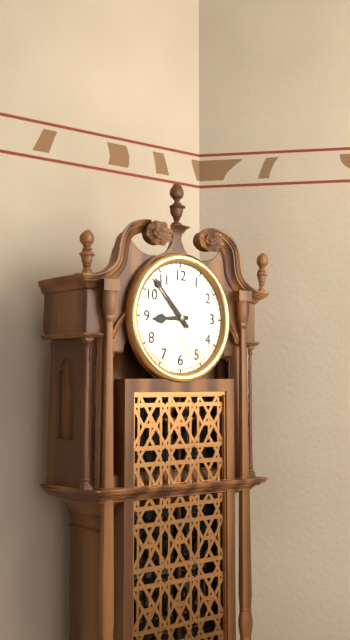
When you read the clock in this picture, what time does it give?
8:53
